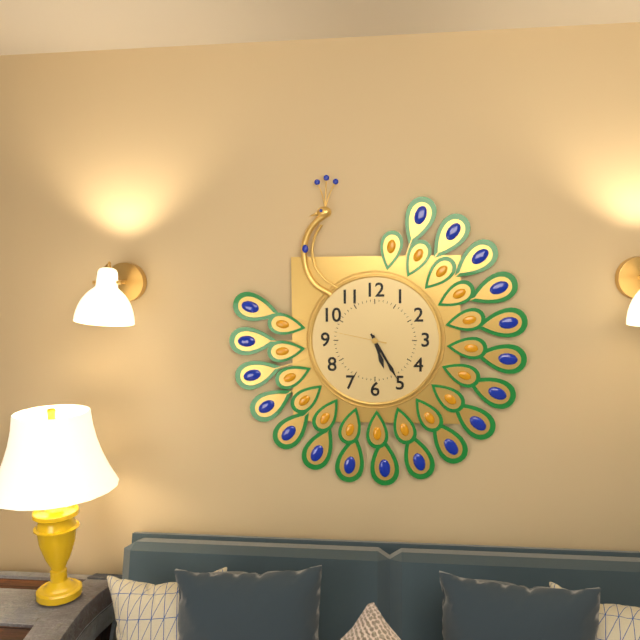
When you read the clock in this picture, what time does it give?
5:25:47
